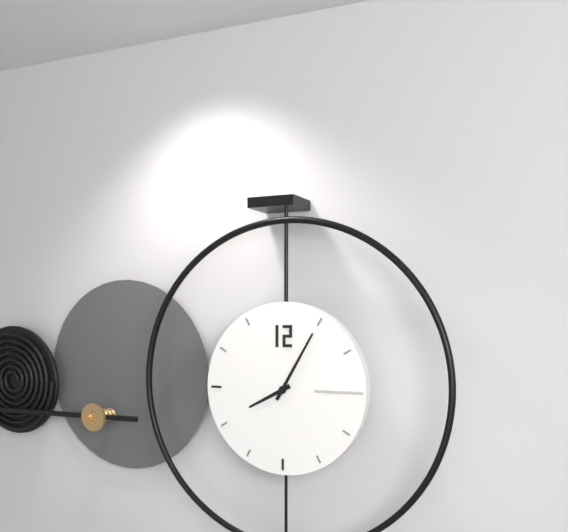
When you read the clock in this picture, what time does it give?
8:05
